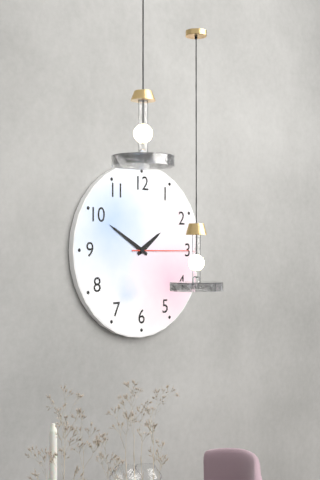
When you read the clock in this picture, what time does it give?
1:50:15
